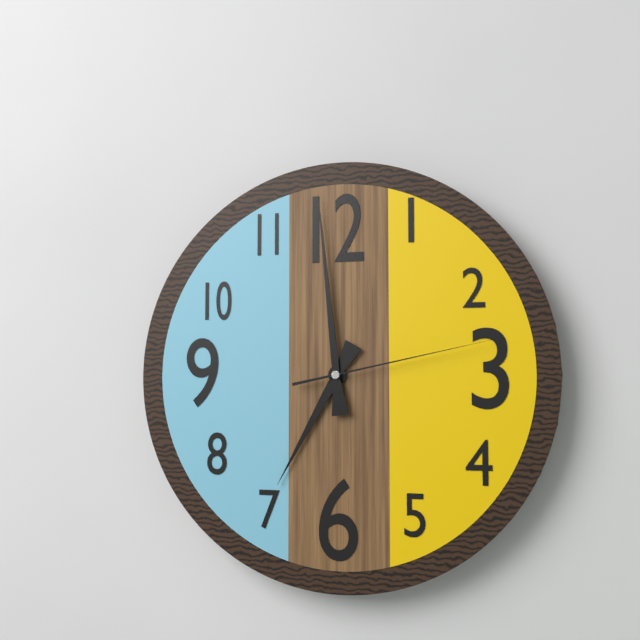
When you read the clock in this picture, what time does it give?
6:59:13
